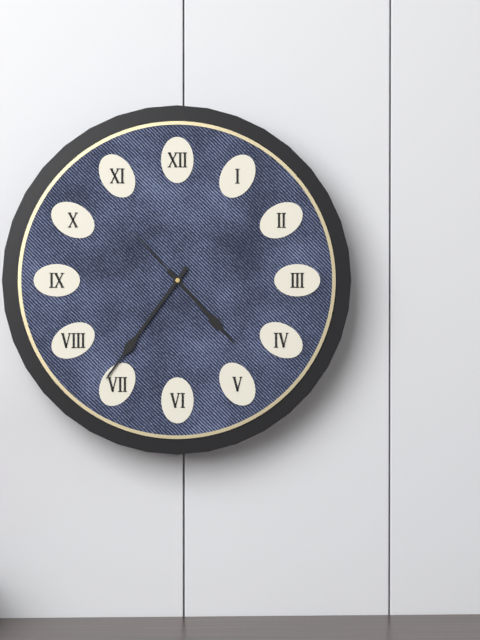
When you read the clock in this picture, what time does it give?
4:36:53
